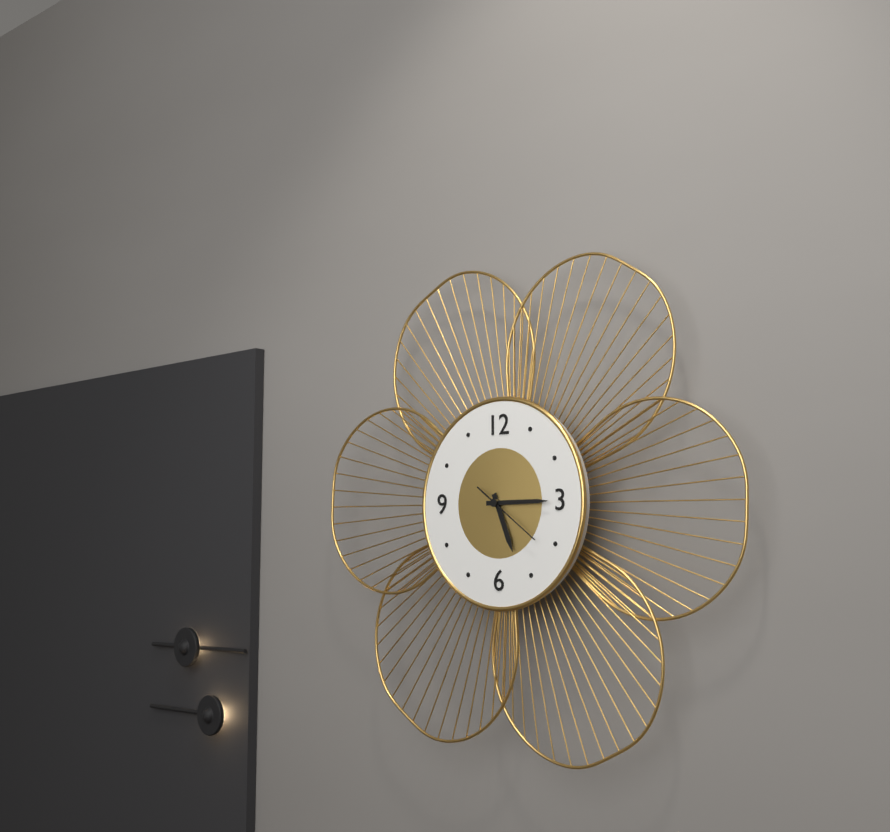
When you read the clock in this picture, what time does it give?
5:15:21
